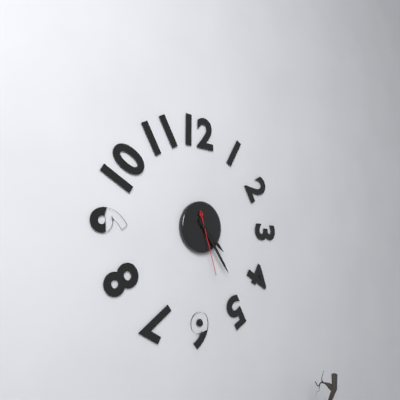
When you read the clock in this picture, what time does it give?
4:24:27
